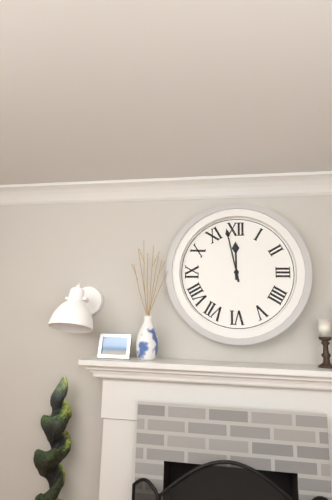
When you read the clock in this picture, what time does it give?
11:58
